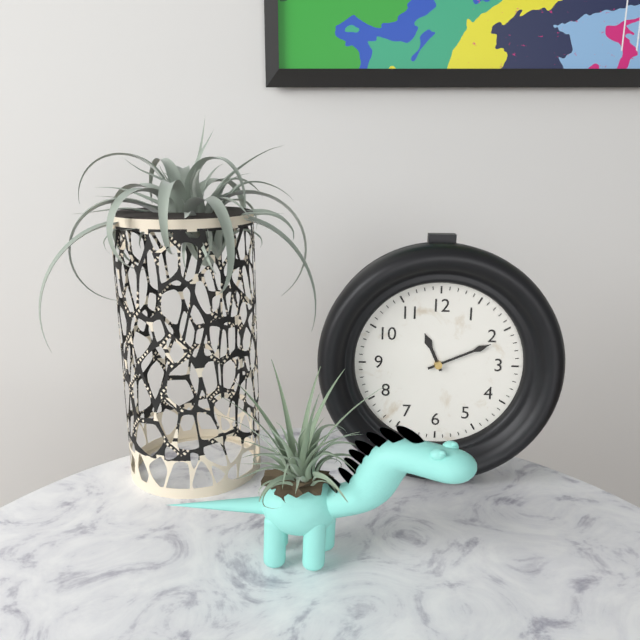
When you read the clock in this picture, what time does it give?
11:11
